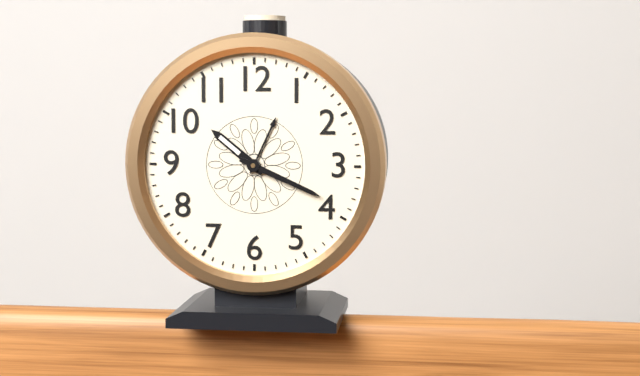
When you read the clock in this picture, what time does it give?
10:19
